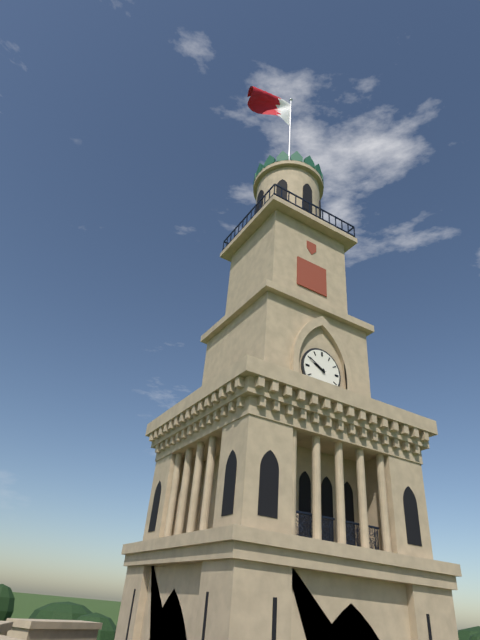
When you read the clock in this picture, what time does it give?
9:50
